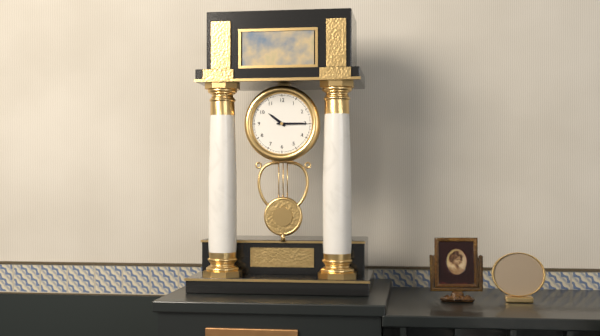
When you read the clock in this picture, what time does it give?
10:15
